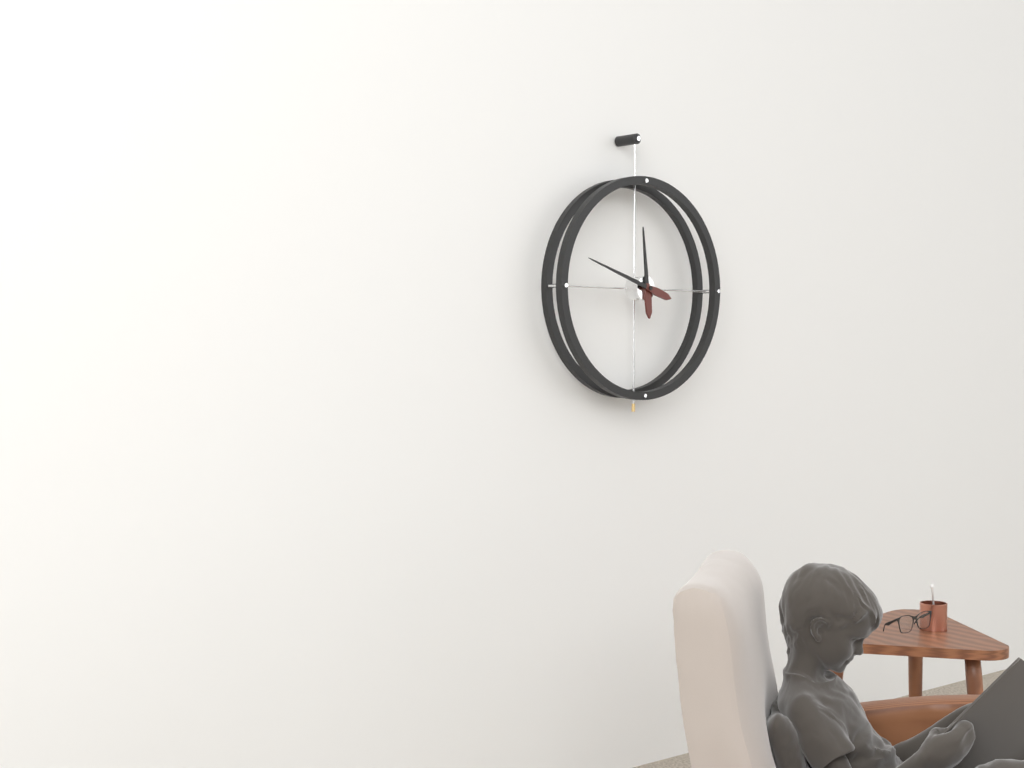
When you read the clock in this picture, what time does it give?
11:48
